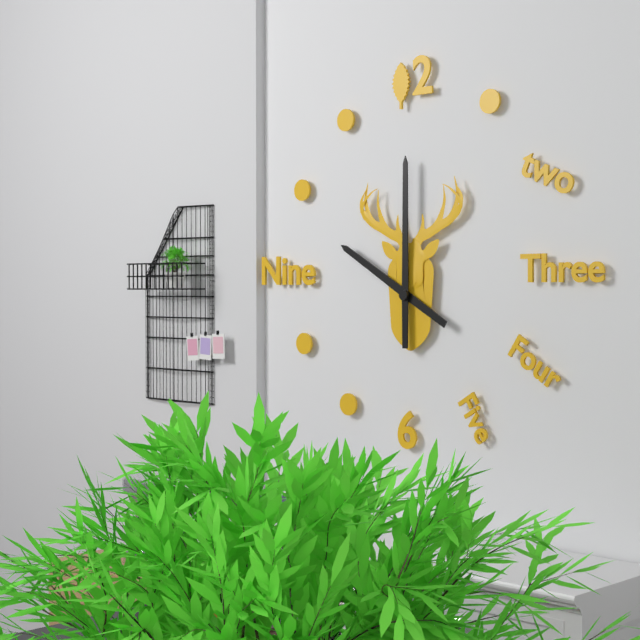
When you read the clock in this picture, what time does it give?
10:00
